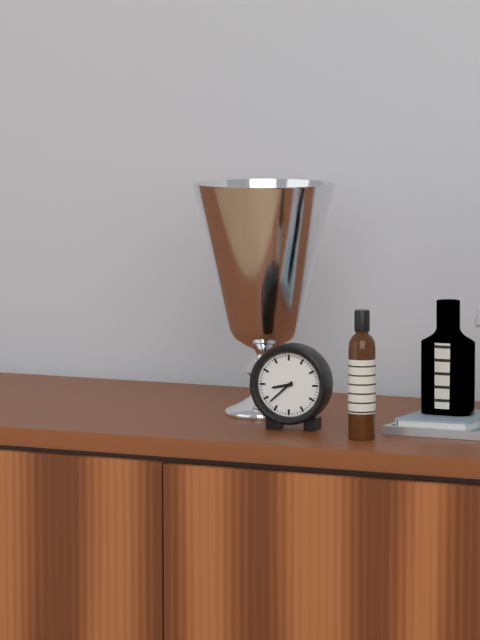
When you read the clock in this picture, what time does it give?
8:38
